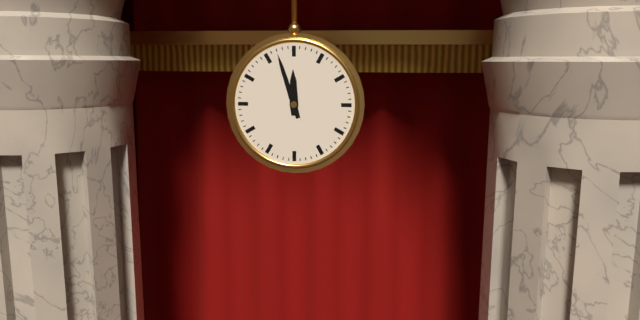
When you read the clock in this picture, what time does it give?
11:57
